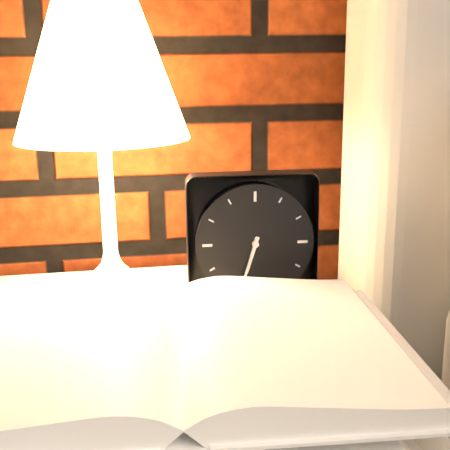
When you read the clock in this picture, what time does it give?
6:33
